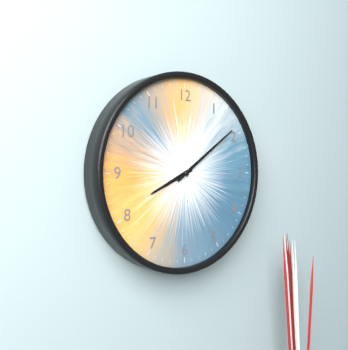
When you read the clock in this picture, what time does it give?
8:09
